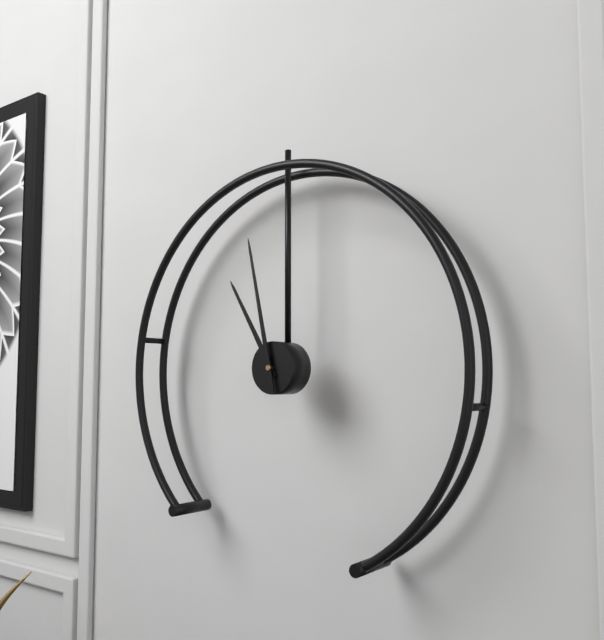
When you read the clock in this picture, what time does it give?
10:58
